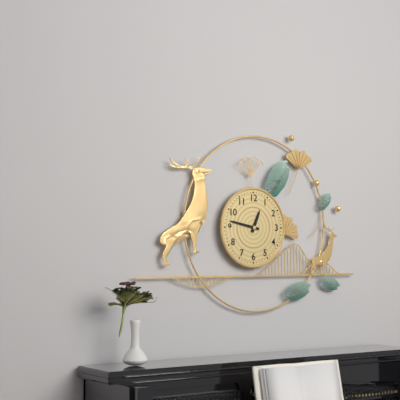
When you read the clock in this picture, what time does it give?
12:47
